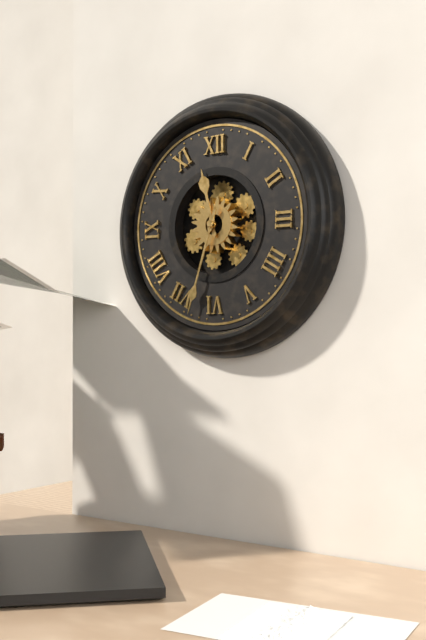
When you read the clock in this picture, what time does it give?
11:33
